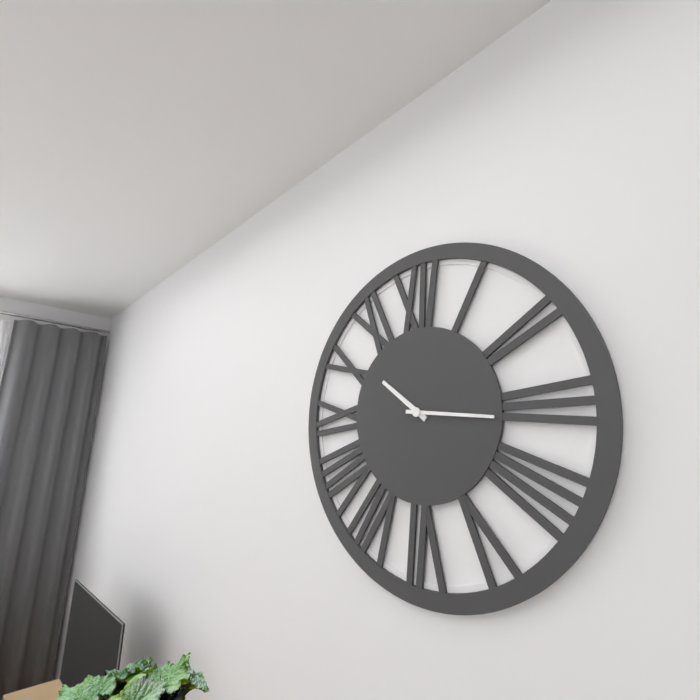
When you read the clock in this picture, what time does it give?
10:16
